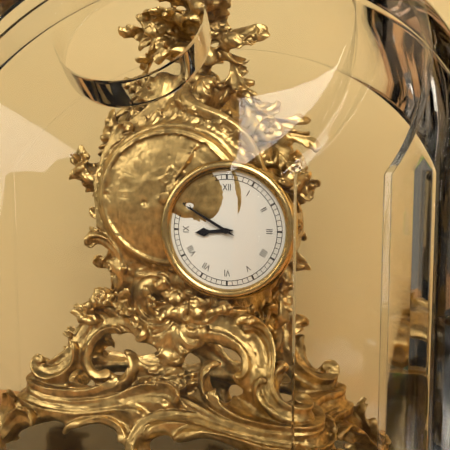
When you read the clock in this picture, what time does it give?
8:50
